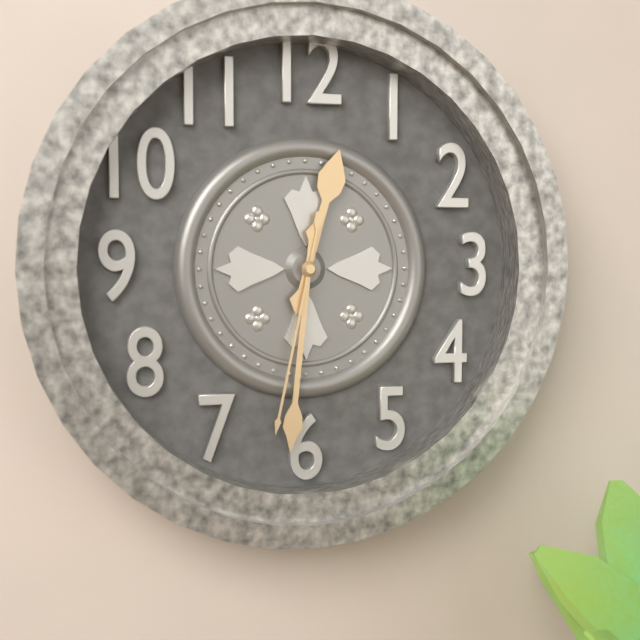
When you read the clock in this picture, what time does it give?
12:31:32
